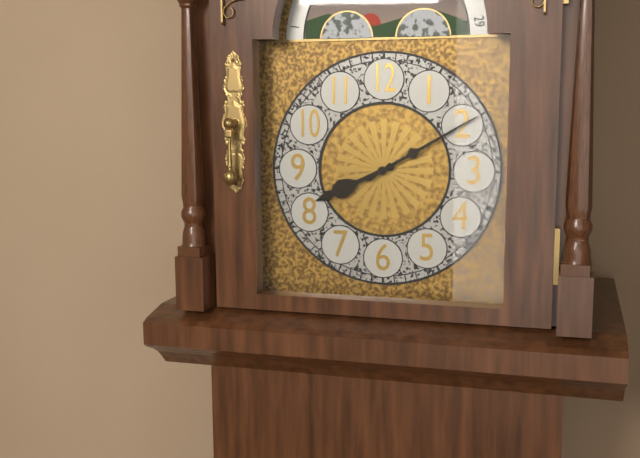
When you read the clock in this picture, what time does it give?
8:10
